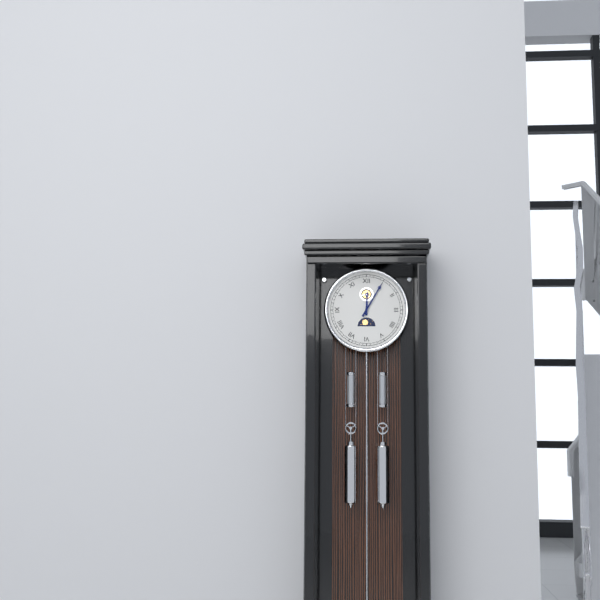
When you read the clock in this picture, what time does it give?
12:05
